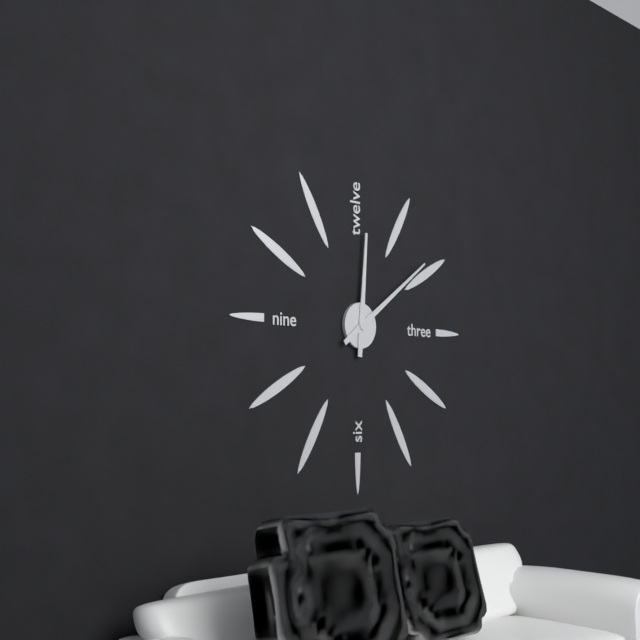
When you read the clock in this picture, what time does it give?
12:09
